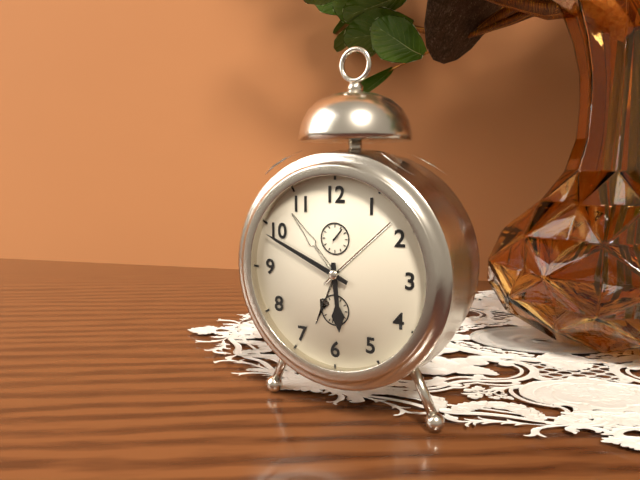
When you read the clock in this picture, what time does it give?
5:49
